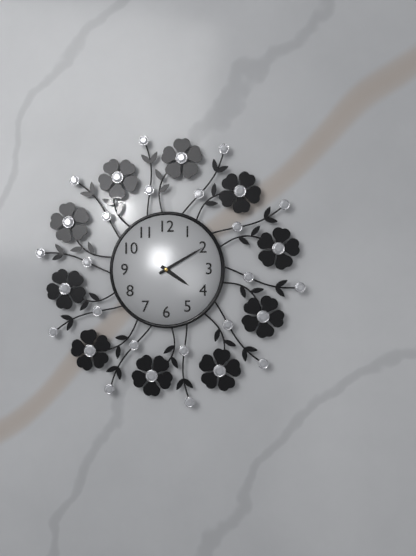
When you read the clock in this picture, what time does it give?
4:10
